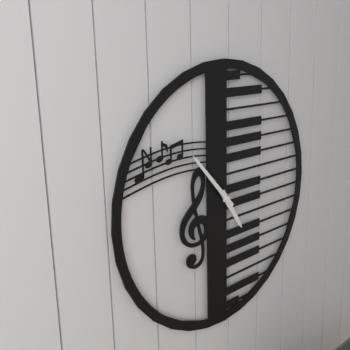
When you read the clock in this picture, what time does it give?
4:53
